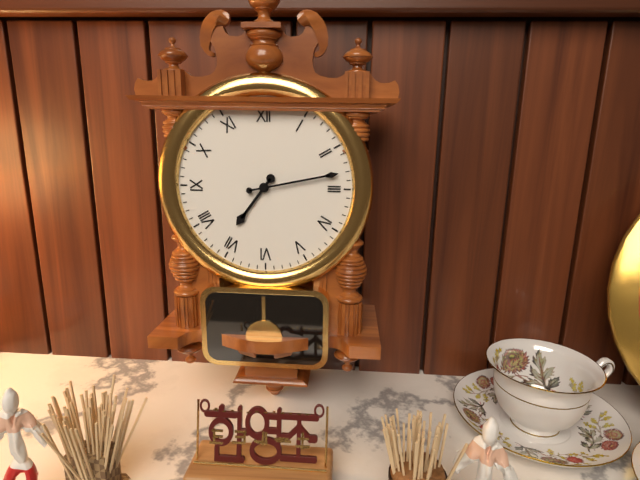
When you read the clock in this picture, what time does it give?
7:13
